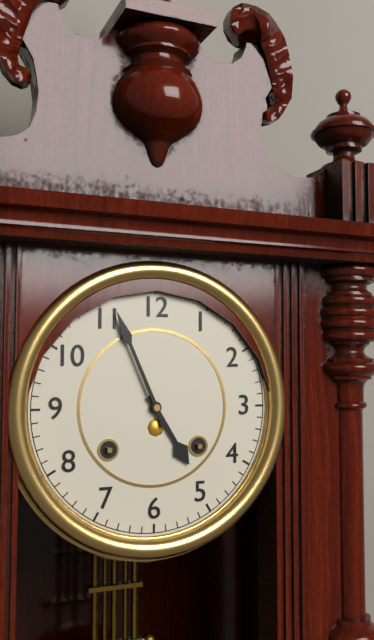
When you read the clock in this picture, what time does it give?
4:56
